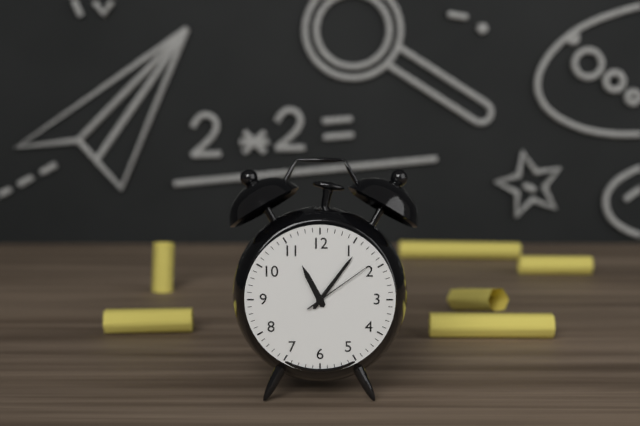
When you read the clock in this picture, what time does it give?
11:06:09
